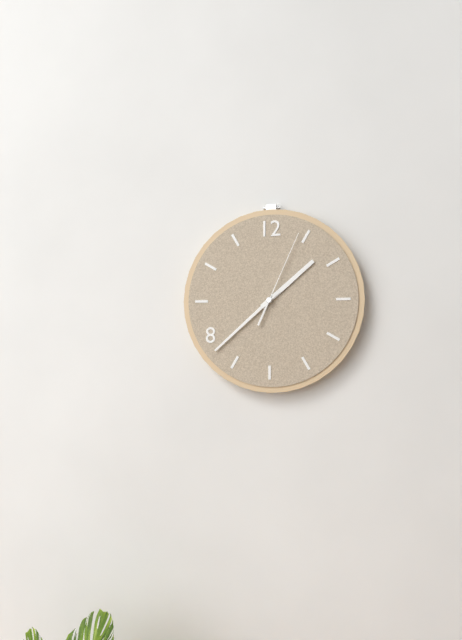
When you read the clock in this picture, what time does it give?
1:38:04
